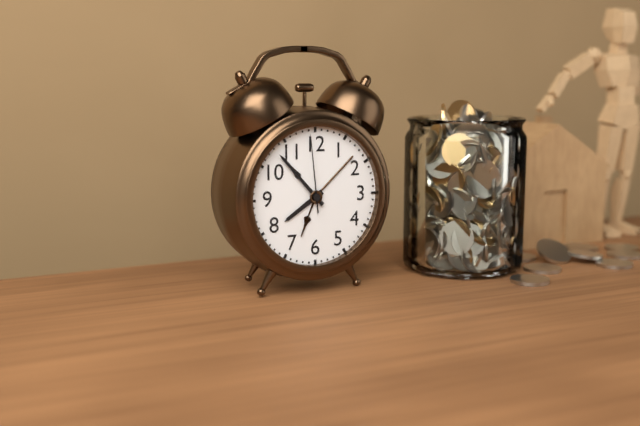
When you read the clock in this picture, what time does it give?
7:53:59
